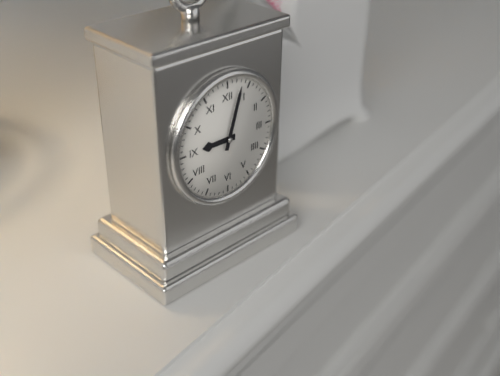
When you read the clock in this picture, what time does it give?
9:03
